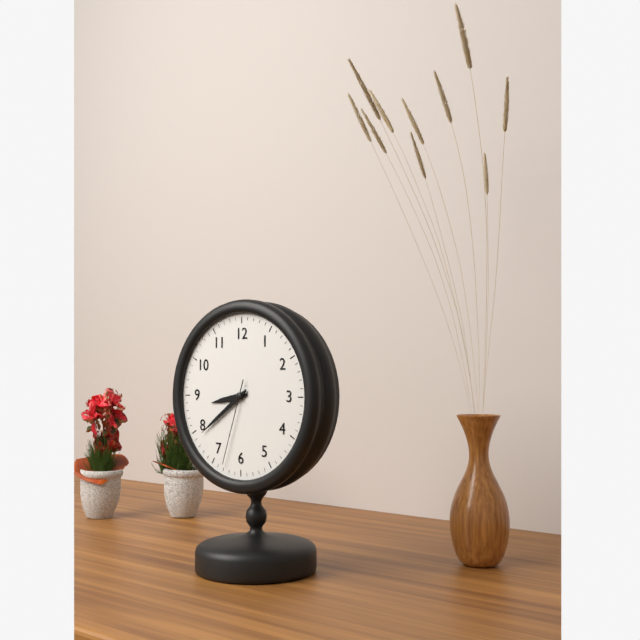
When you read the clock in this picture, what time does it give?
8:39:33
